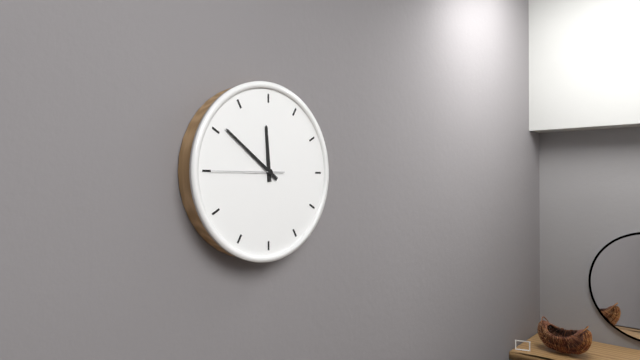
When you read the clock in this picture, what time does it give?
11:51:45
